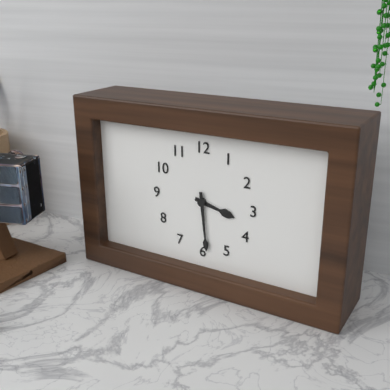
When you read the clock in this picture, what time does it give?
3:29
